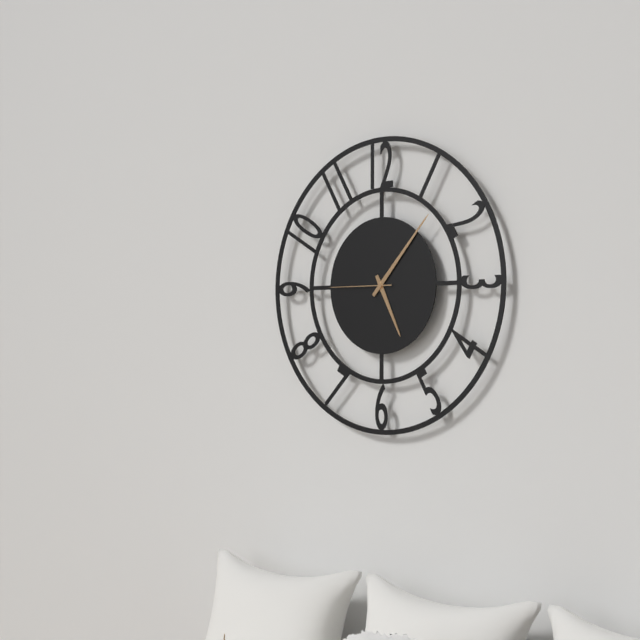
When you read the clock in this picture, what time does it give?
5:07:45
